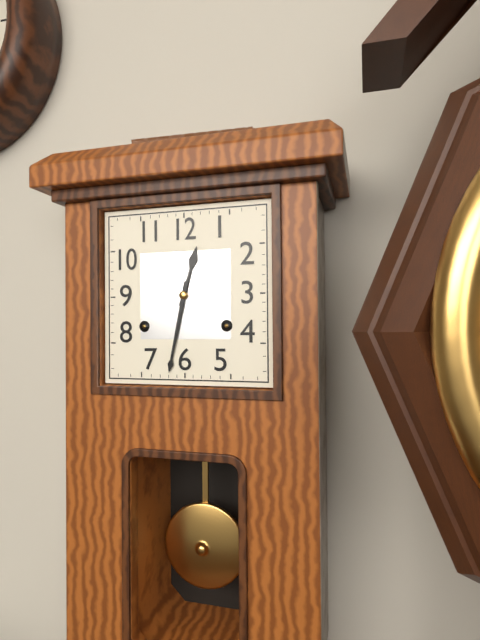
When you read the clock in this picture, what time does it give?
12:32
